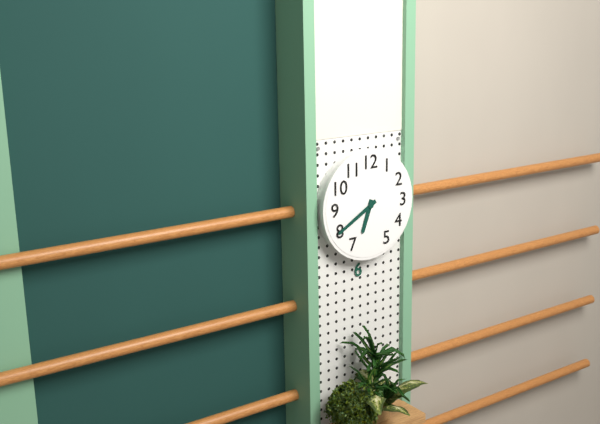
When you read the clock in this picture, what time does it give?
6:40
